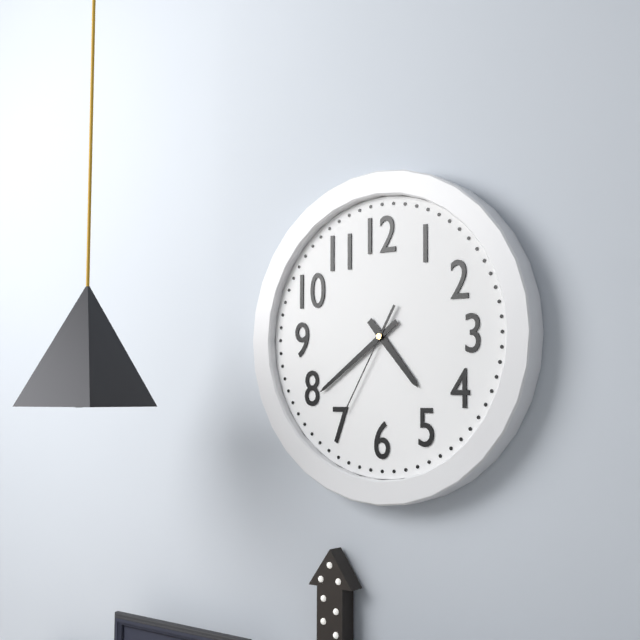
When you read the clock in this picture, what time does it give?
4:39:35
